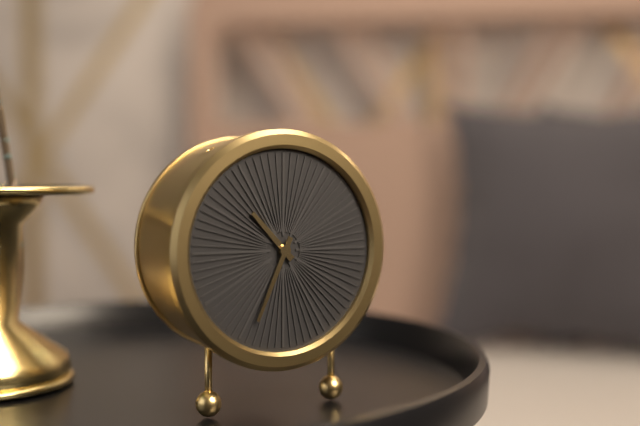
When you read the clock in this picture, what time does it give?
10:34
